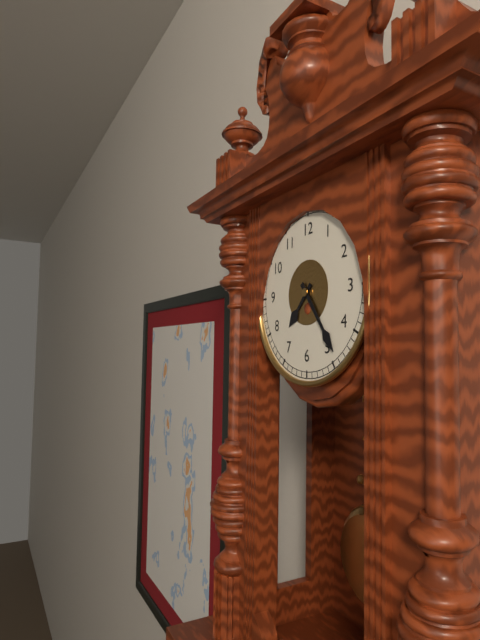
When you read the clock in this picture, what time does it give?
7:24
